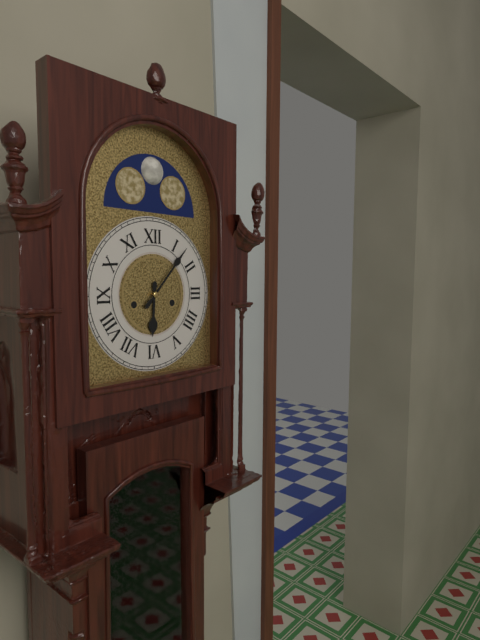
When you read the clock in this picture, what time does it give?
6:07
